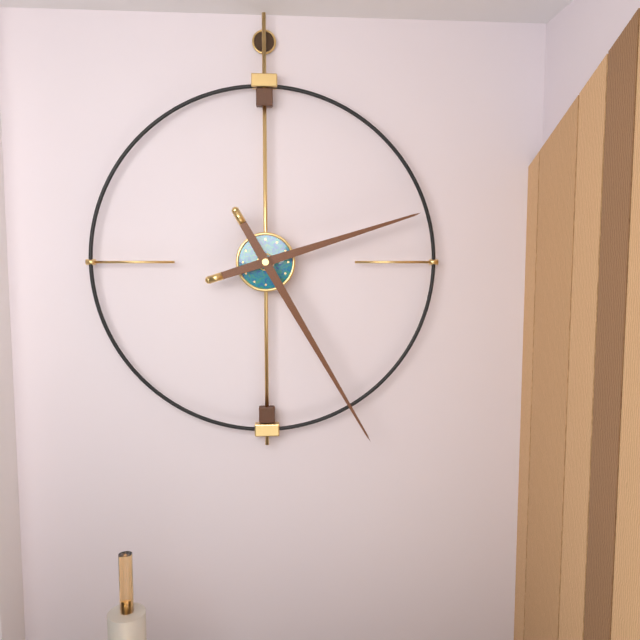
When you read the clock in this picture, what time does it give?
2:25
